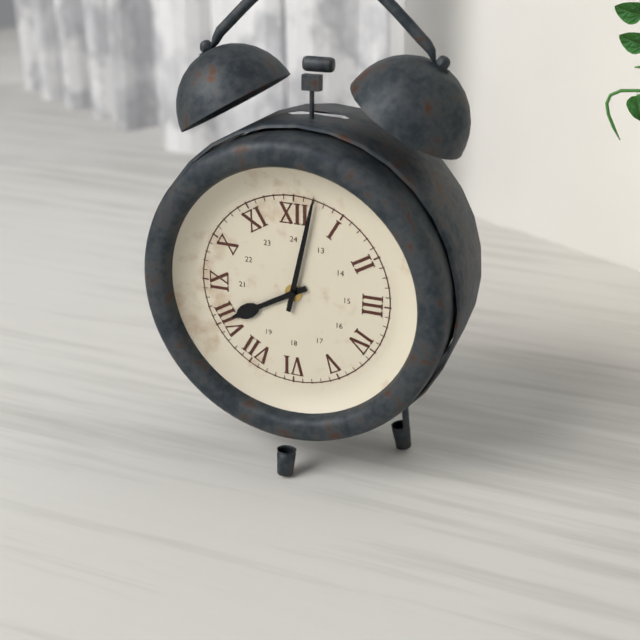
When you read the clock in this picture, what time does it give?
8:02
